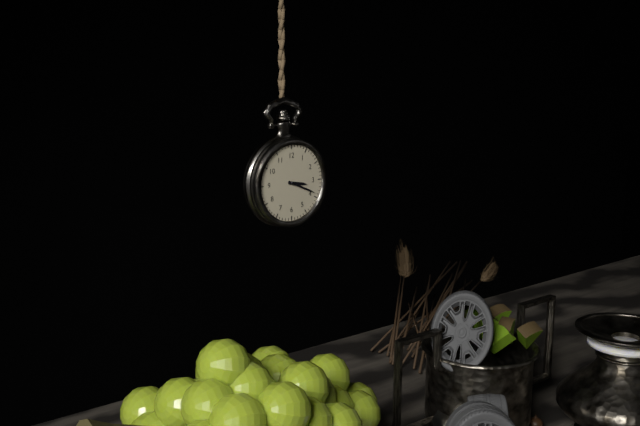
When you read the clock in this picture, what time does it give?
3:19
